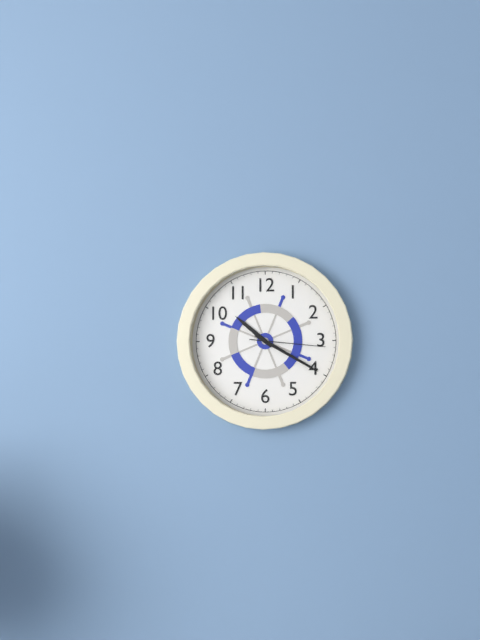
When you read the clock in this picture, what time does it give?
10:20:16
